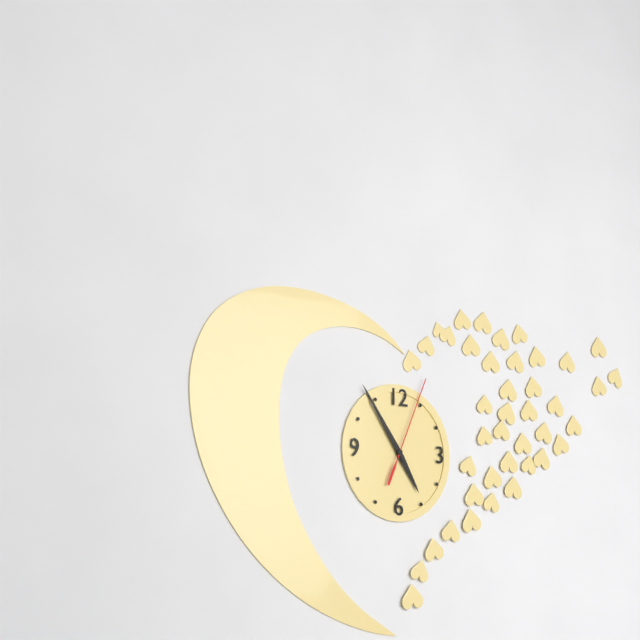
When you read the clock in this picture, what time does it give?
4:54:04
